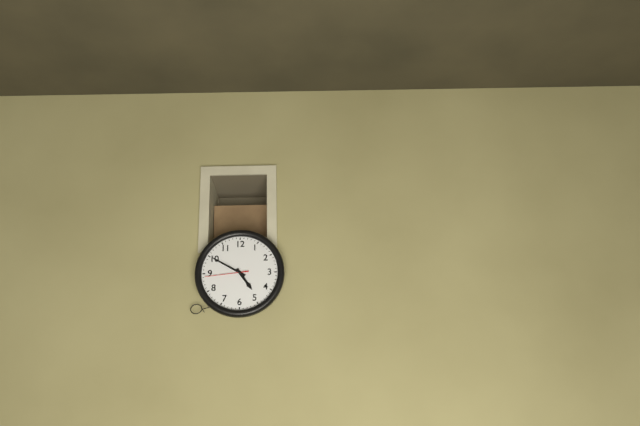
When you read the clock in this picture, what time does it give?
4:50
